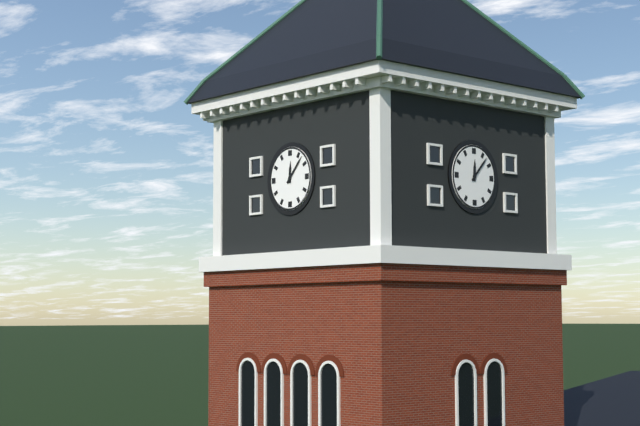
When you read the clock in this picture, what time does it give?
12:07
